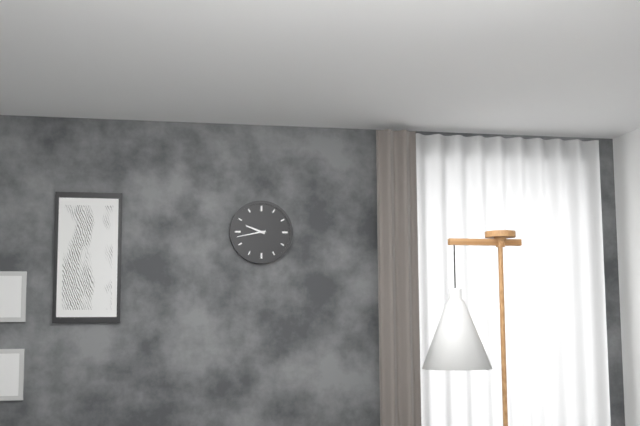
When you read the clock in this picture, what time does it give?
9:43
